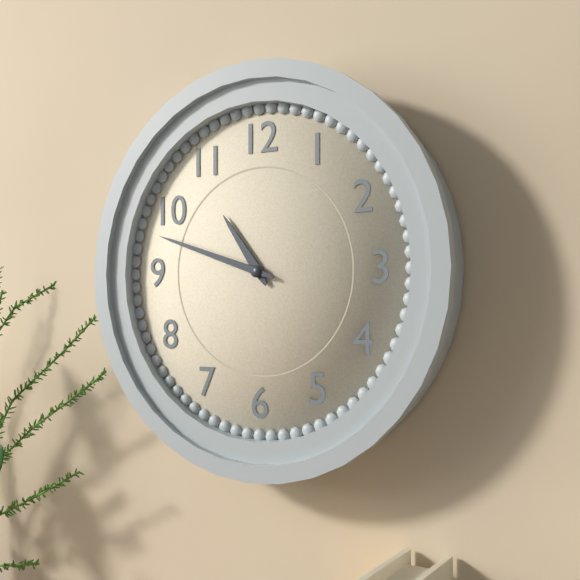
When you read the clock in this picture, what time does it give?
10:48
